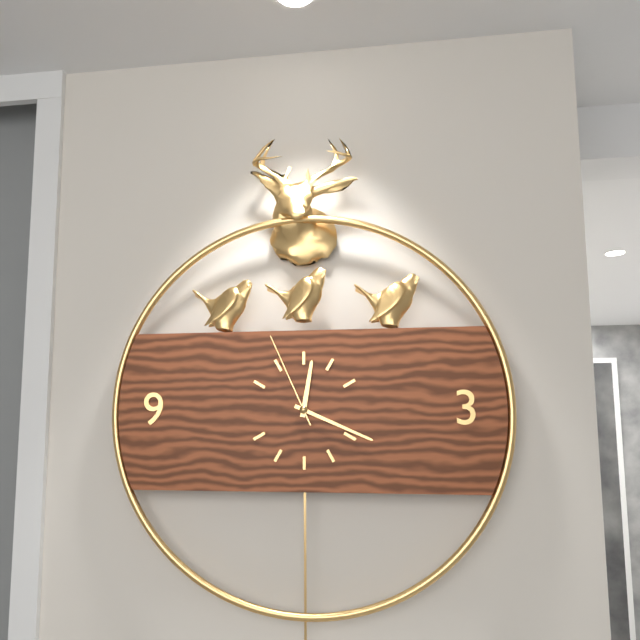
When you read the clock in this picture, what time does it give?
12:19:56
